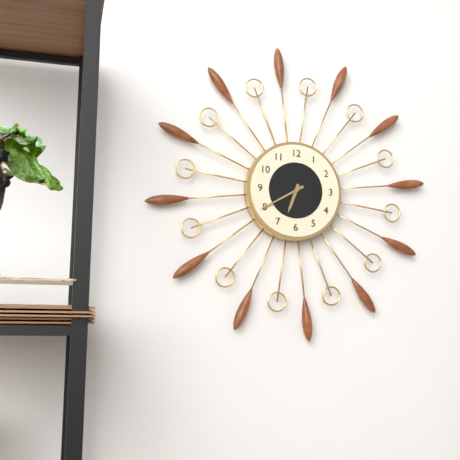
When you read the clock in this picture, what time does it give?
6:40
